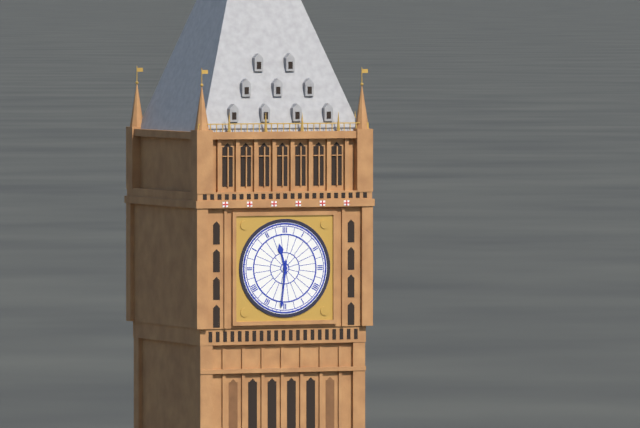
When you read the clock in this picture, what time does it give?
11:31
